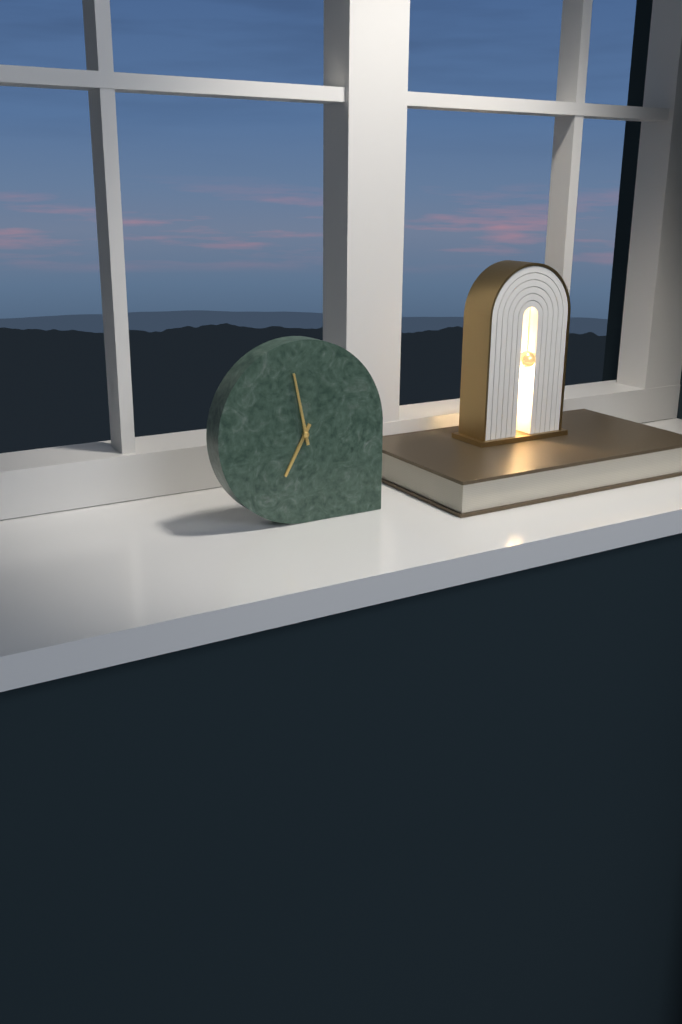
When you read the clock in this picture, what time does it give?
6:58
